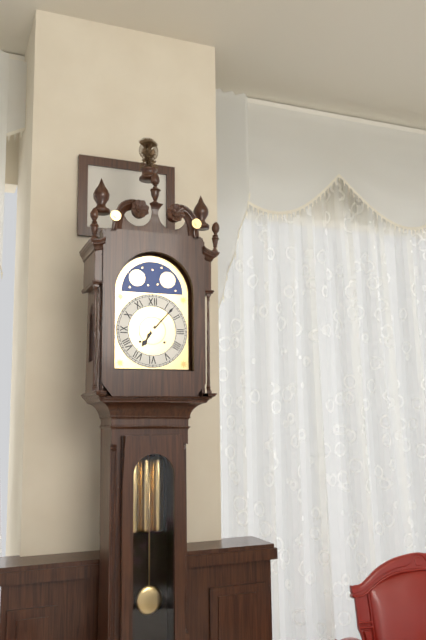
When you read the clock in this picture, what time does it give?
7:07
